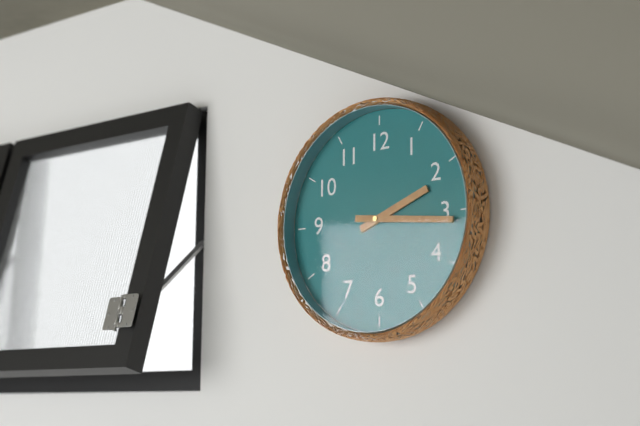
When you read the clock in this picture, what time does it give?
2:16
